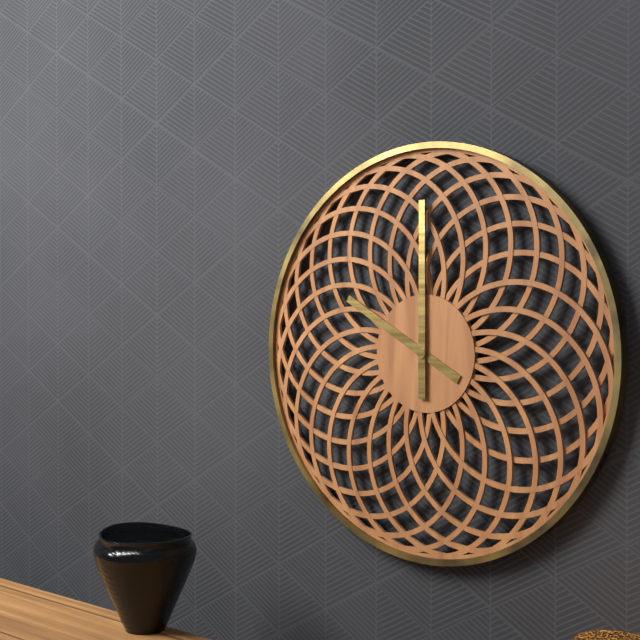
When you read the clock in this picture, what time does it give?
10:00
